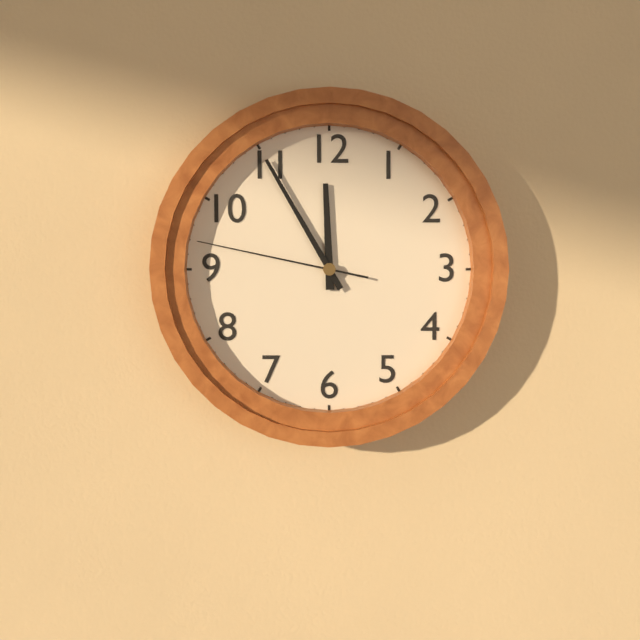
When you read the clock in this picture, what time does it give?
11:55:47
